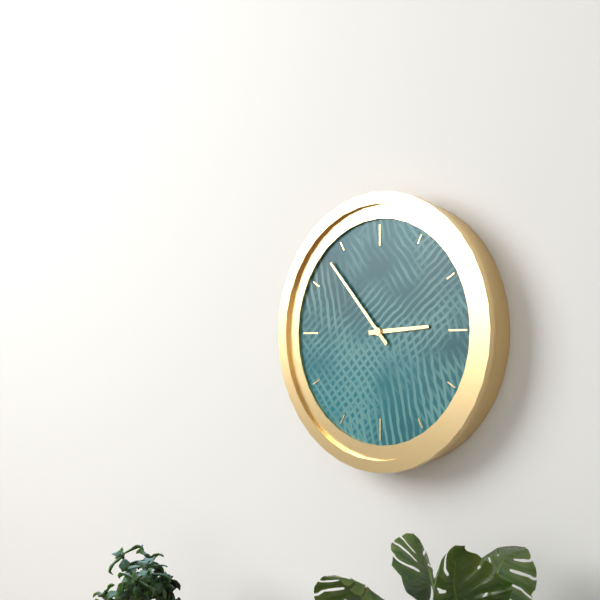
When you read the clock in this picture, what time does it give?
2:53
